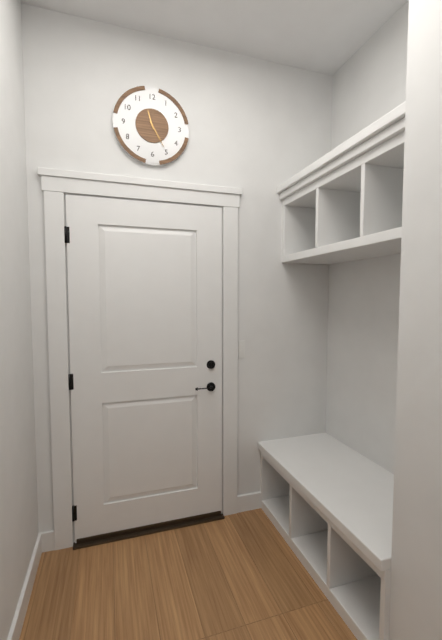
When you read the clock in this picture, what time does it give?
11:25
